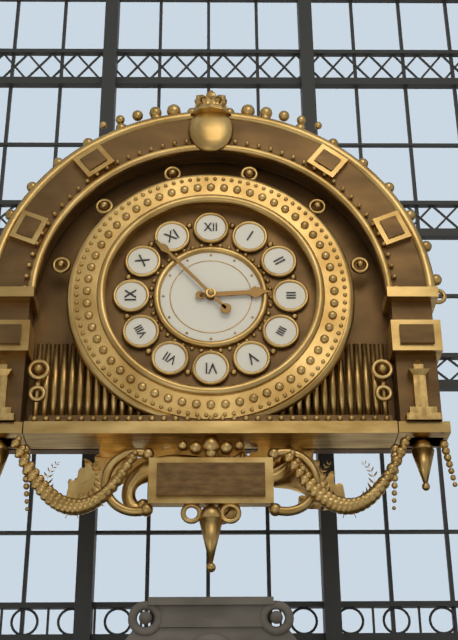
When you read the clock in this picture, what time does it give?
2:53
